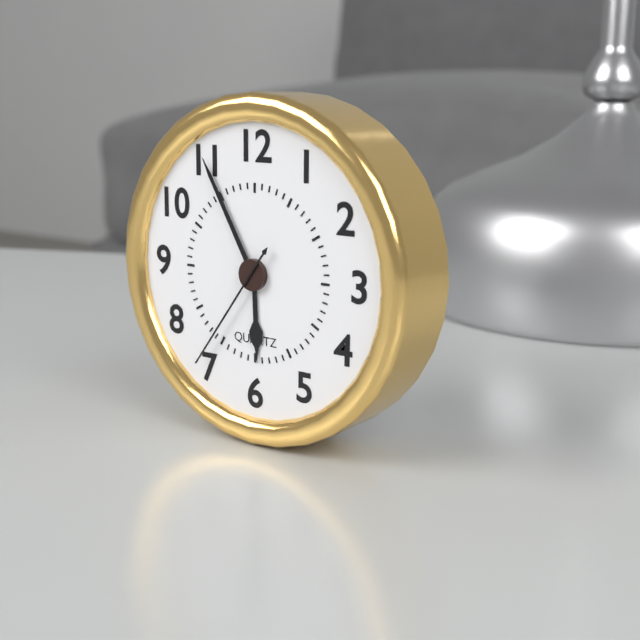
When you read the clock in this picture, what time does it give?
5:55:36
